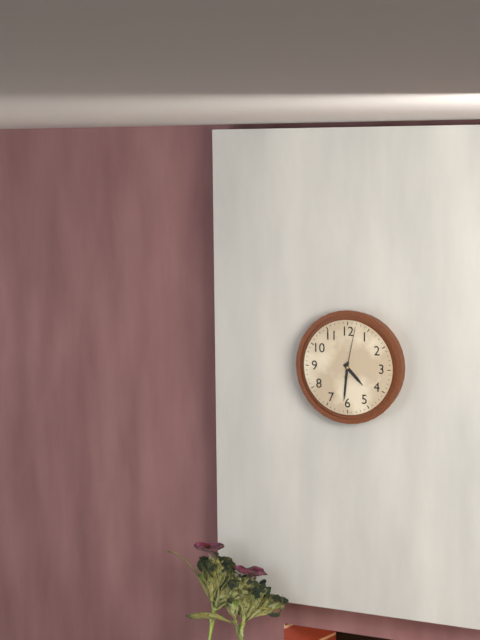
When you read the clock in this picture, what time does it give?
4:31:02
